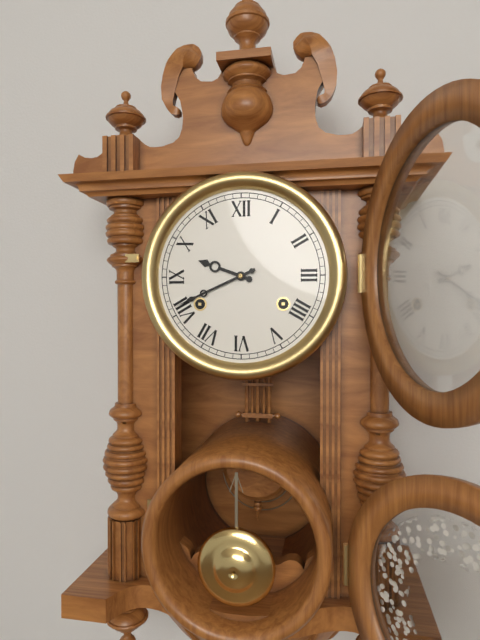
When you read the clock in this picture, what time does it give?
9:41
